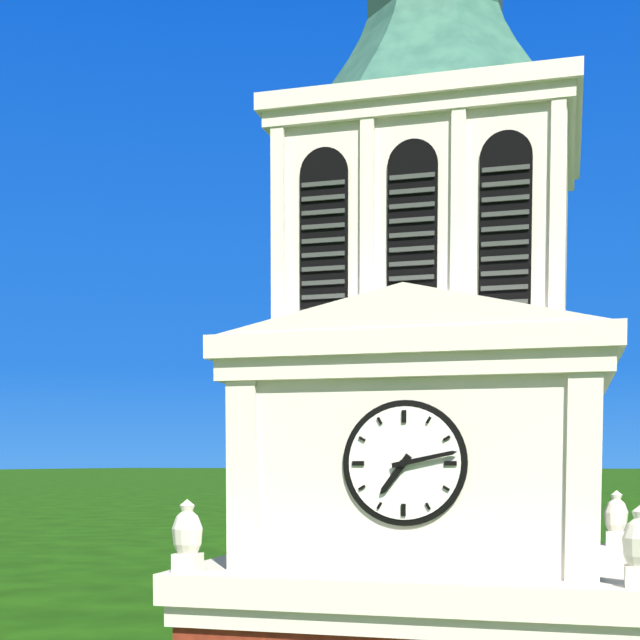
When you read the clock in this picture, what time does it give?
7:13
